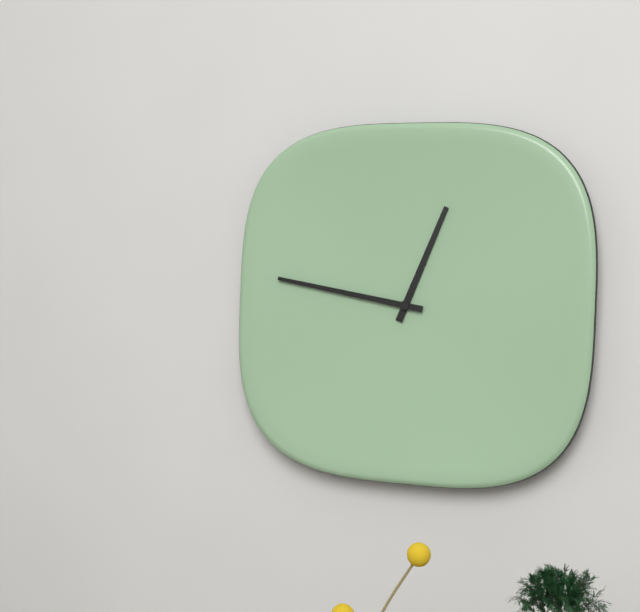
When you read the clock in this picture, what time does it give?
12:47
